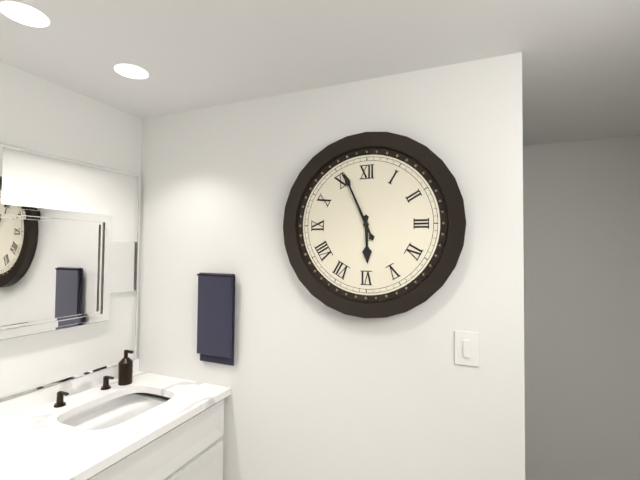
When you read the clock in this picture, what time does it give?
5:56
